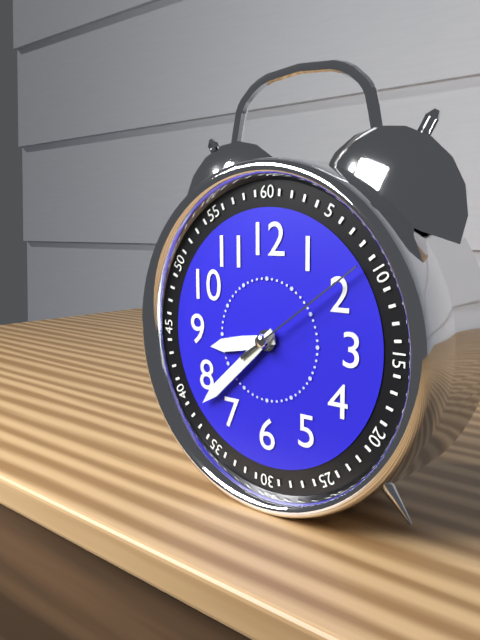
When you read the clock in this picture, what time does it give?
8:38:09
